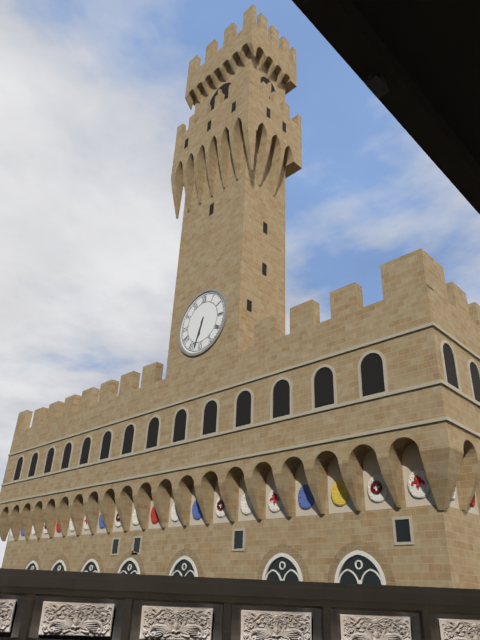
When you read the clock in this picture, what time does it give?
6:33
